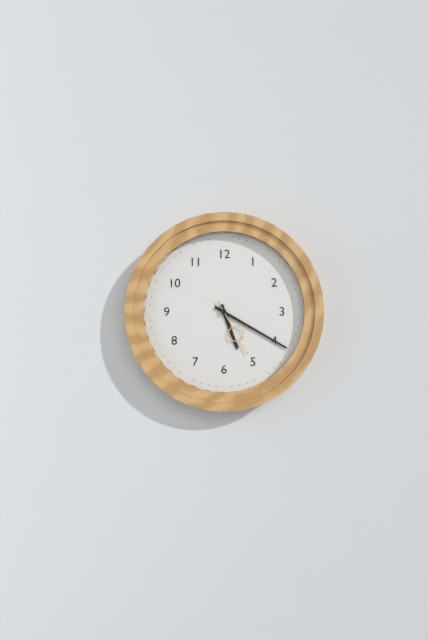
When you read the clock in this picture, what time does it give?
5:20:25
